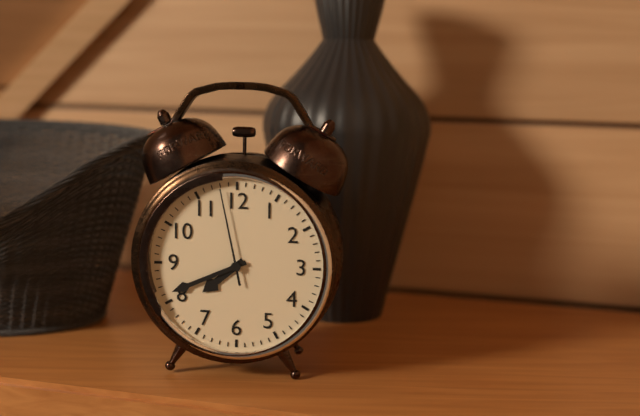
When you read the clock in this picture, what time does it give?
7:41:58
